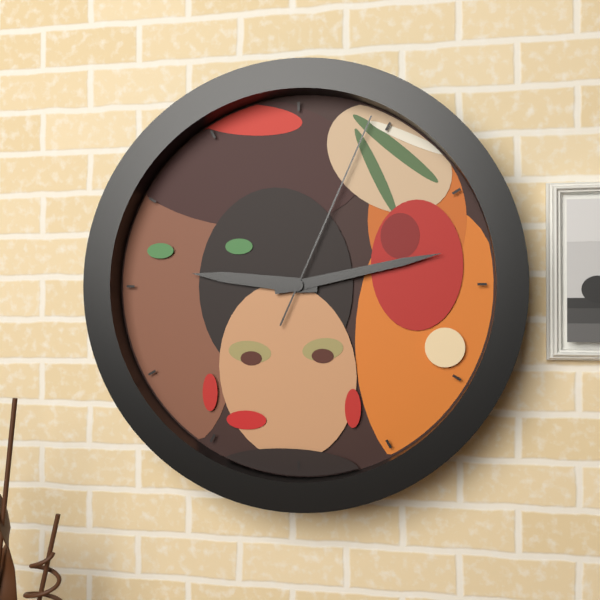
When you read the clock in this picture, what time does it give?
9:13:04
